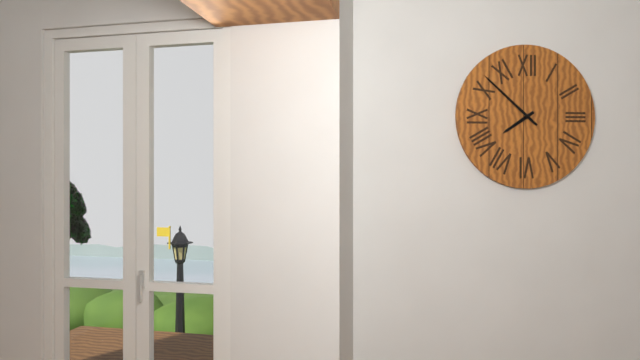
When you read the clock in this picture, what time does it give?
7:52
